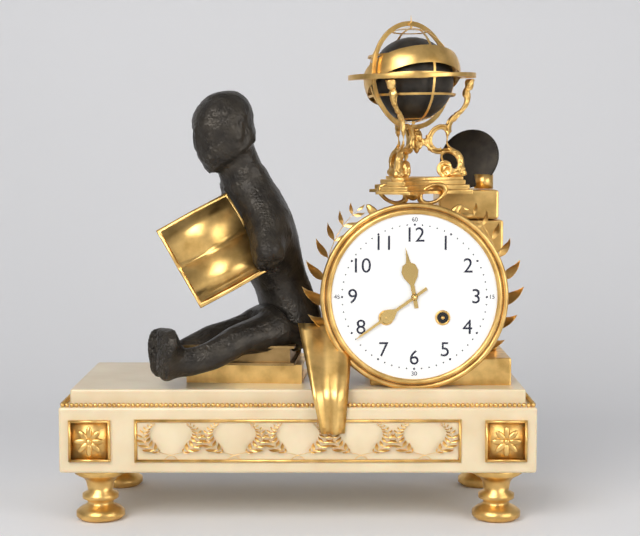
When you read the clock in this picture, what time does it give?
11:39
